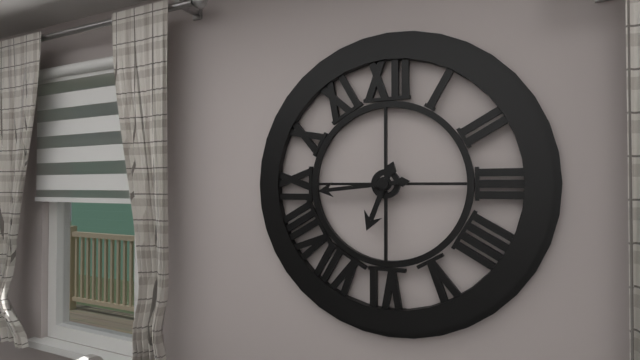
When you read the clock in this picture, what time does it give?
6:44
